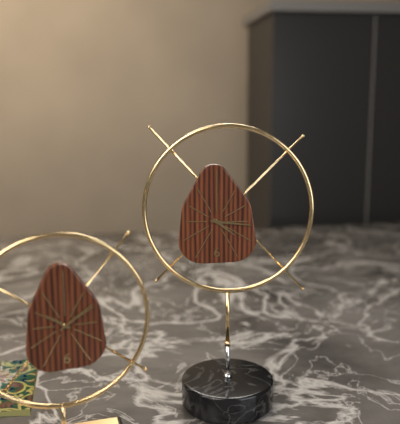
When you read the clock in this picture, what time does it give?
4:16
